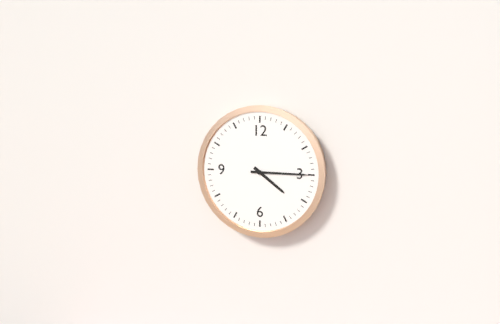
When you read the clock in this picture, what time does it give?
4:15
